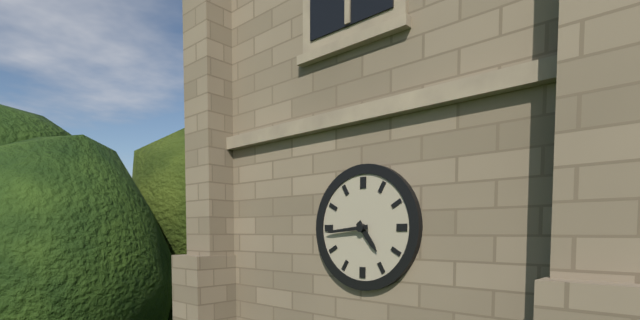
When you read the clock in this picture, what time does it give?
4:44
